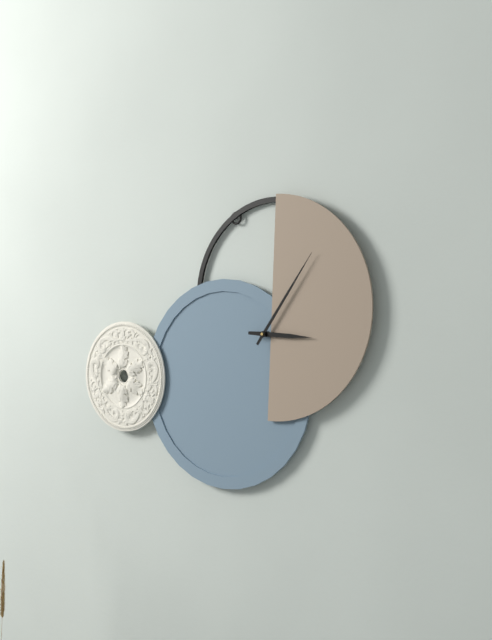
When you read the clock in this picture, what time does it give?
3:06
